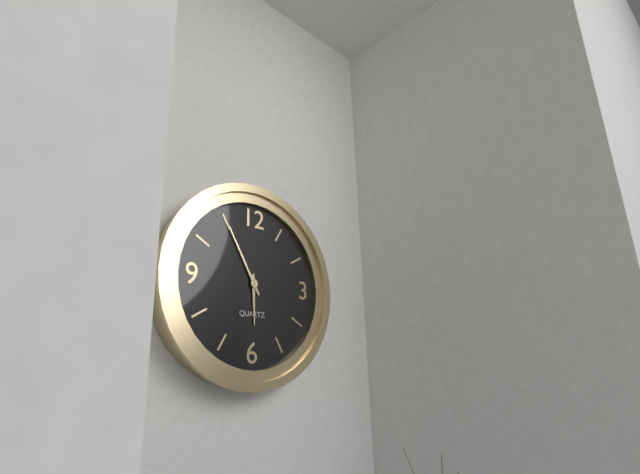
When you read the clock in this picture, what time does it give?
5:55
